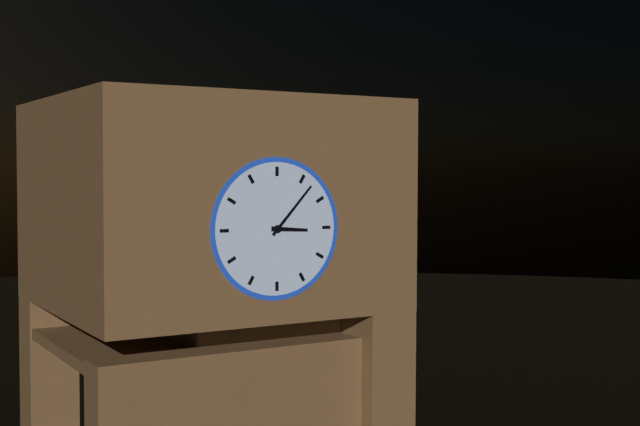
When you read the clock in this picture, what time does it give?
3:07
